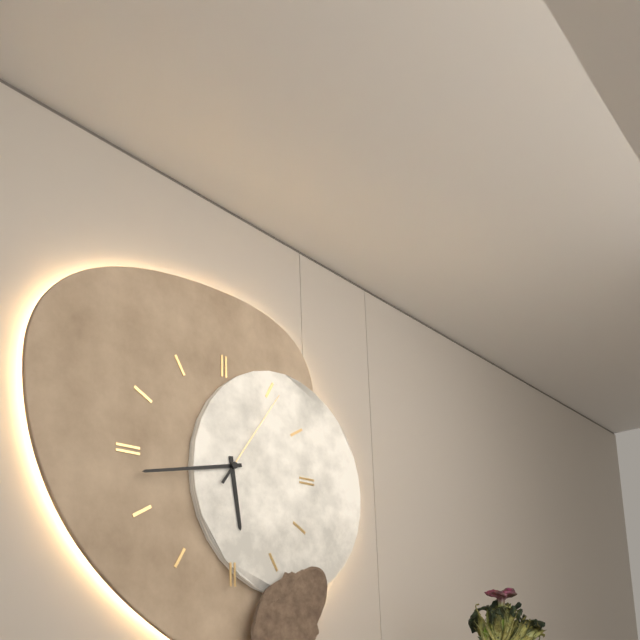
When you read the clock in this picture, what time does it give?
5:43:06
